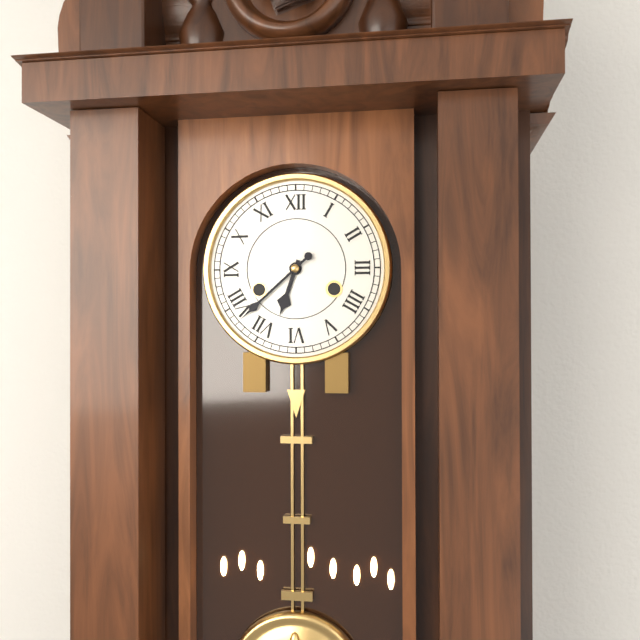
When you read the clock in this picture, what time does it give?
6:38
